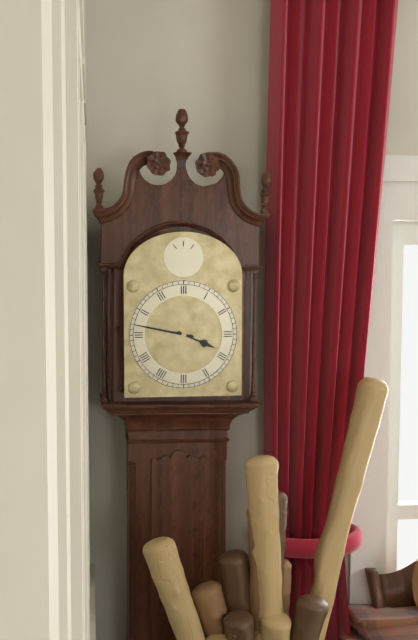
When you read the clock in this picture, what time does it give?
3:47
